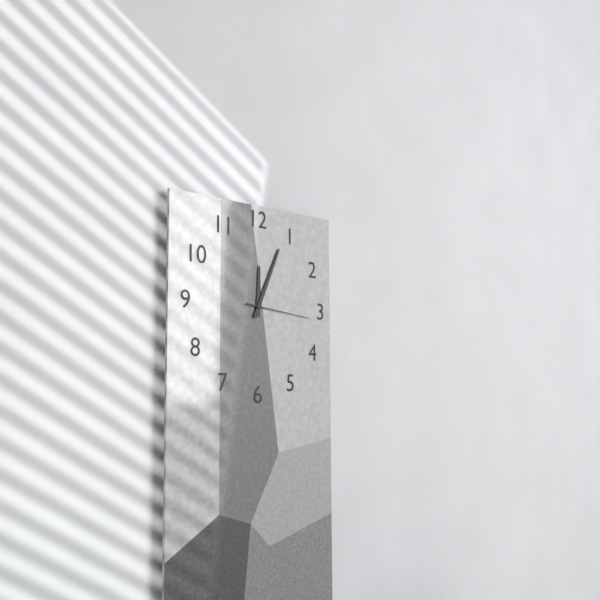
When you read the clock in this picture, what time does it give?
12:04:16
